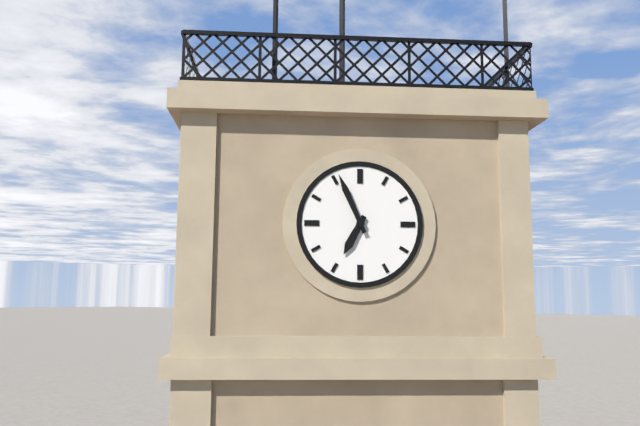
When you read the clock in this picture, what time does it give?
6:56
